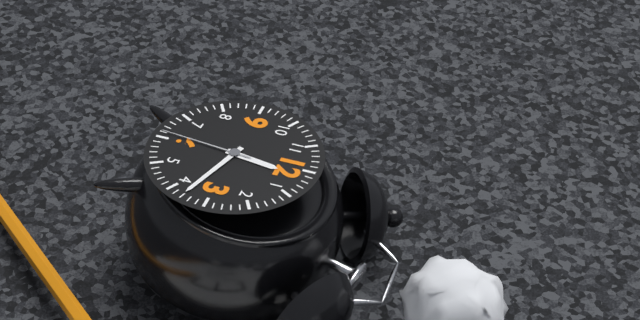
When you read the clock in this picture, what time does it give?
12:18:31
